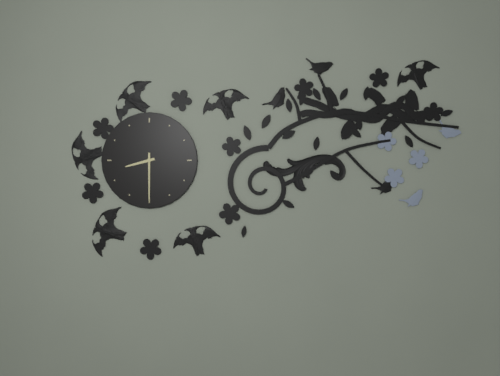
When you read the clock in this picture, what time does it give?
8:30
